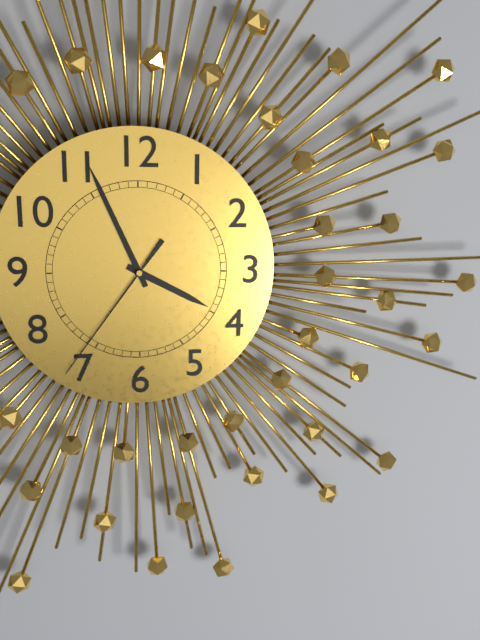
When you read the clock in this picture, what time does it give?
3:56:36
